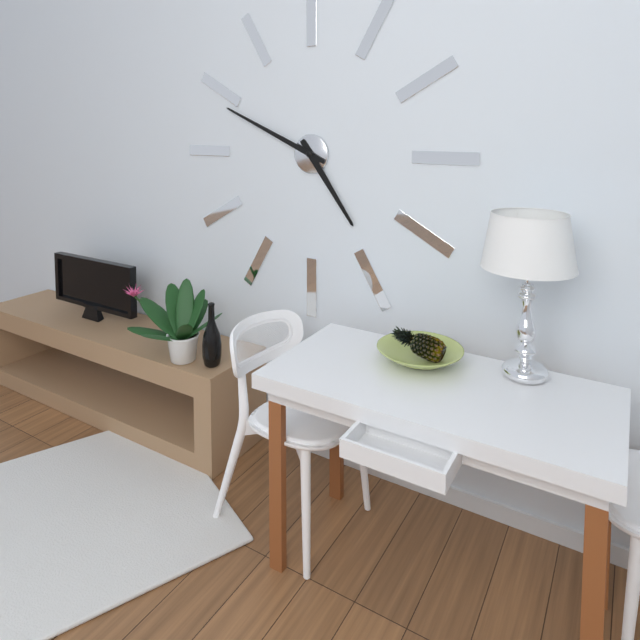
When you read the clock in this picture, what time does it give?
4:49
